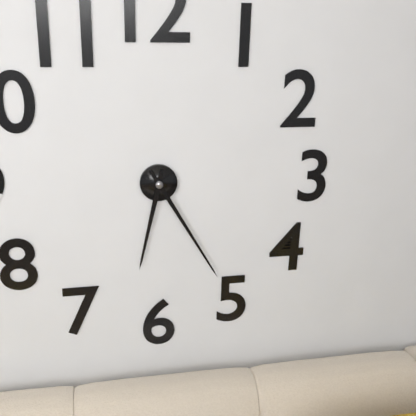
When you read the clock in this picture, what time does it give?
6:25
